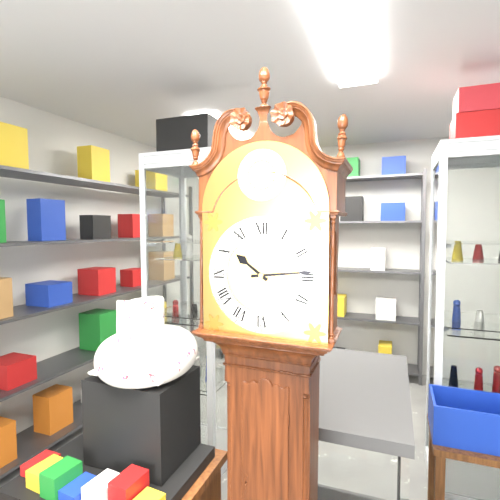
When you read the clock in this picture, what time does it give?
10:14
